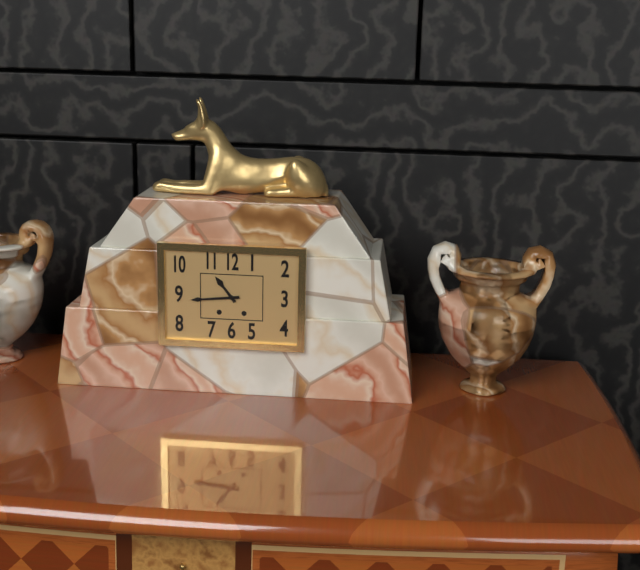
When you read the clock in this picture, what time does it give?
10:44
